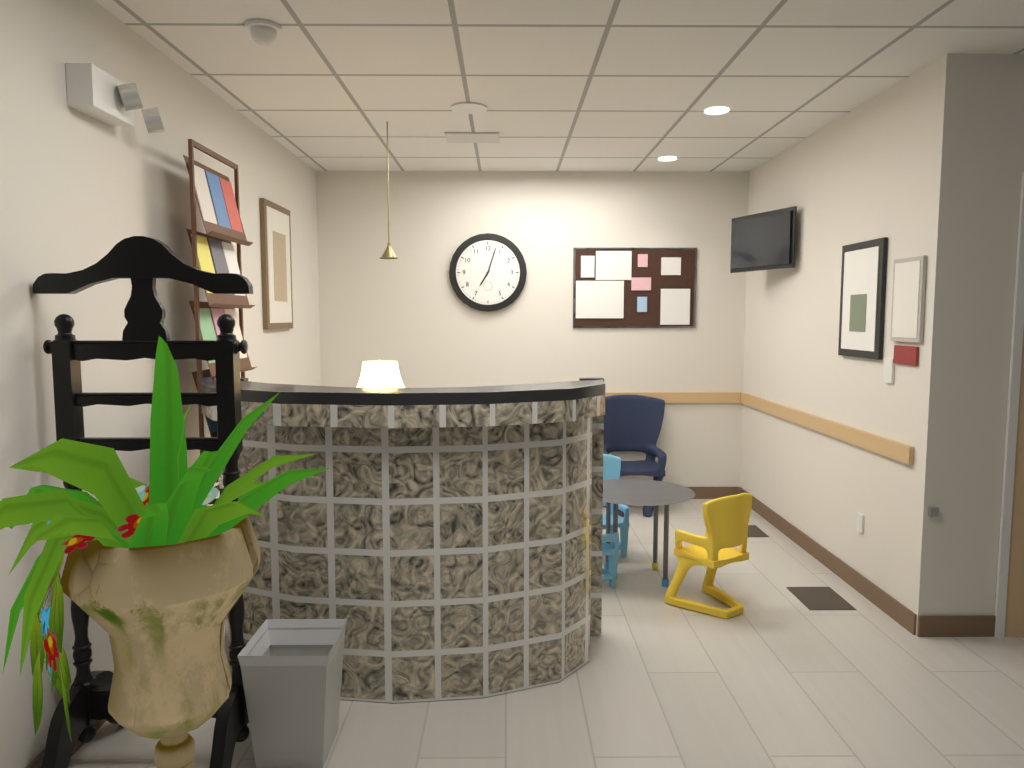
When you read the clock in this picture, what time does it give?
7:03
